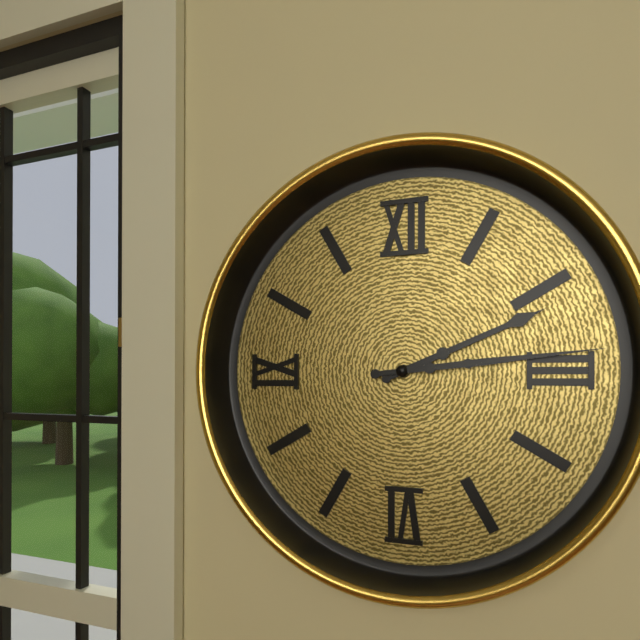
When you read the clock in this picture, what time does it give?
2:14
